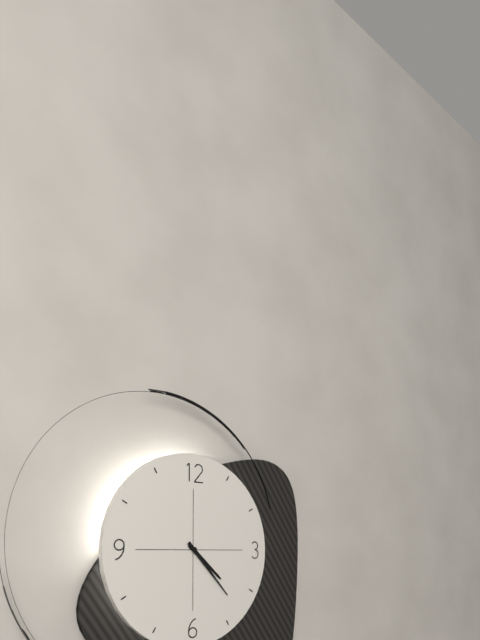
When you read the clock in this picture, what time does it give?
4:23
